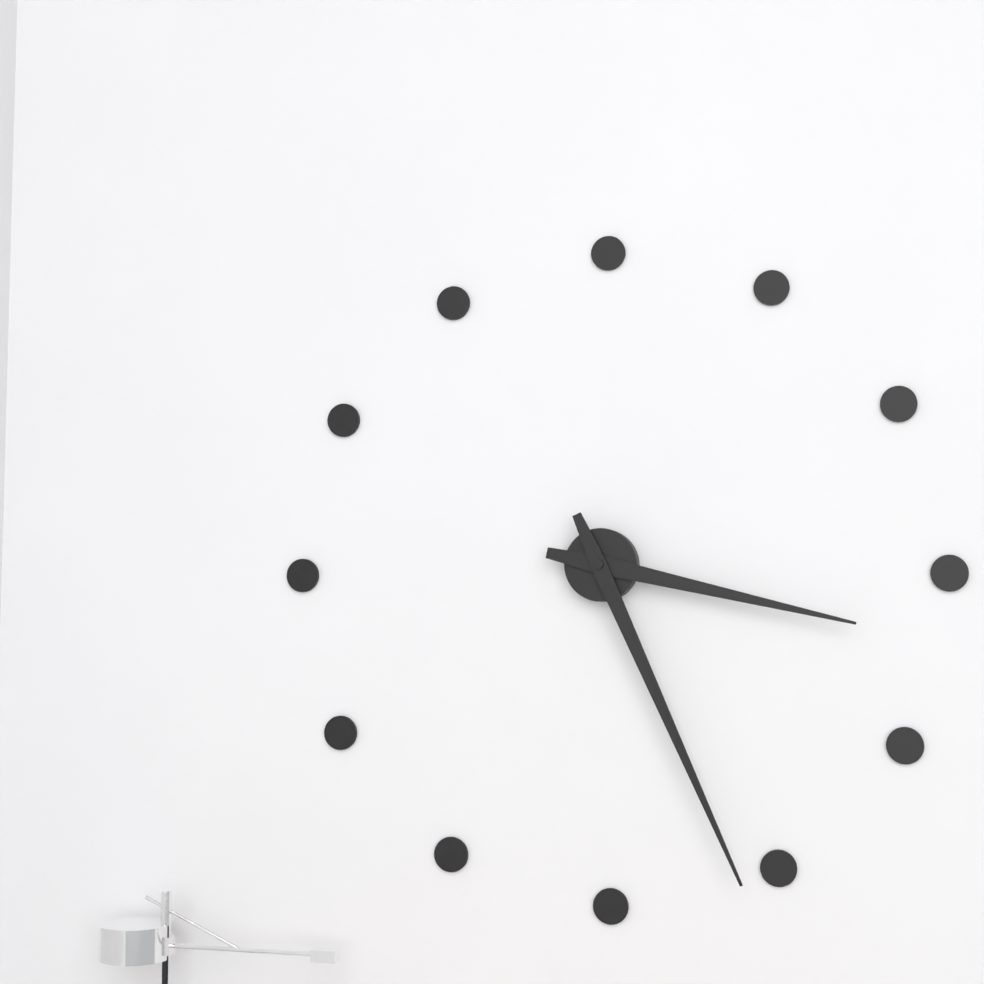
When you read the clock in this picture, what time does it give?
3:26
